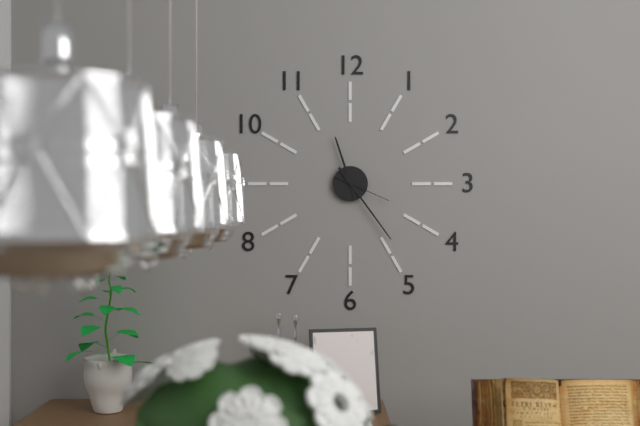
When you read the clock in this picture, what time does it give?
11:24:19
